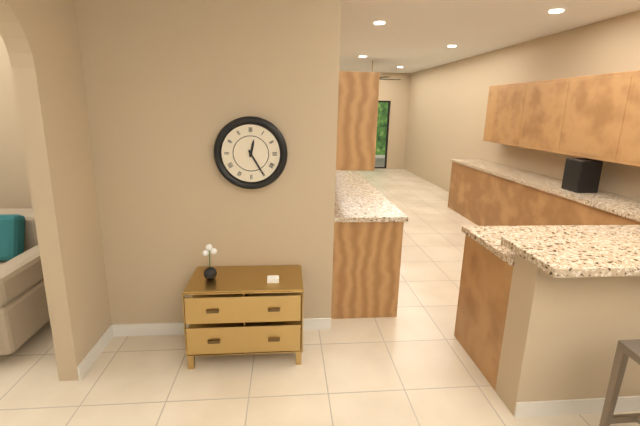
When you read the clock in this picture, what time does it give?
12:25
